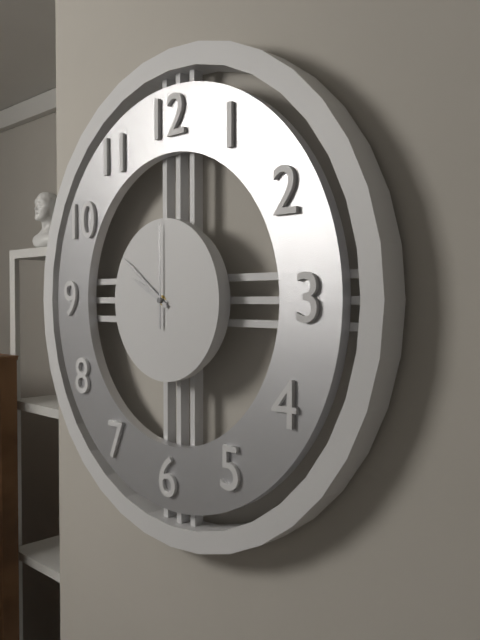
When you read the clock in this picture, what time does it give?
9:51:00
